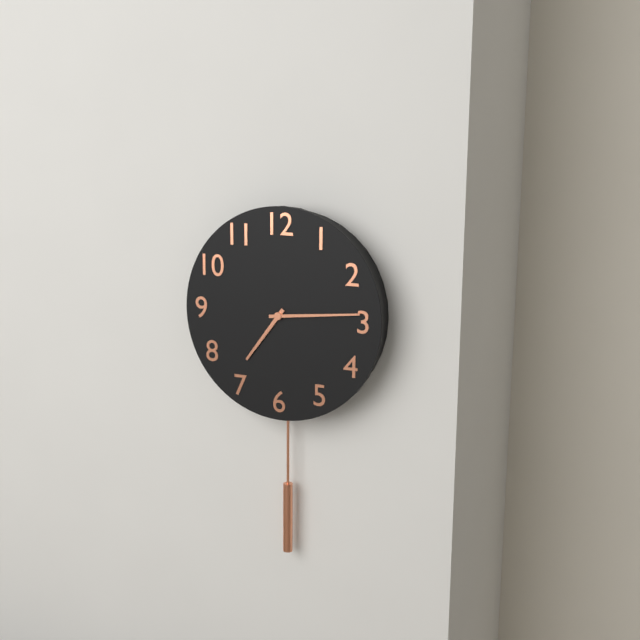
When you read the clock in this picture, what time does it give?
7:14
